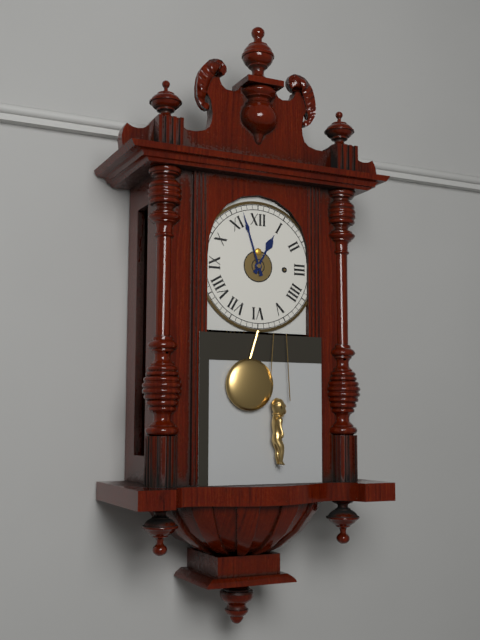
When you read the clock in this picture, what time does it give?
12:57
